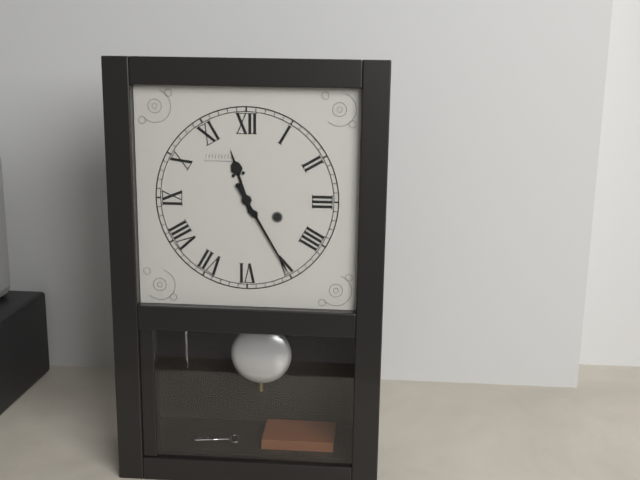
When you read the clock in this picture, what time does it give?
11:25
